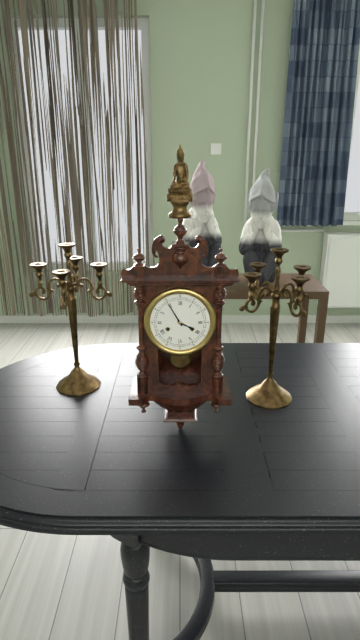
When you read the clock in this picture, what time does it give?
3:55
